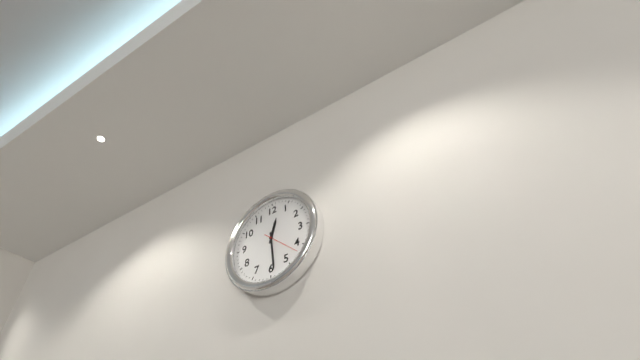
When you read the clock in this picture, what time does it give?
12:29
